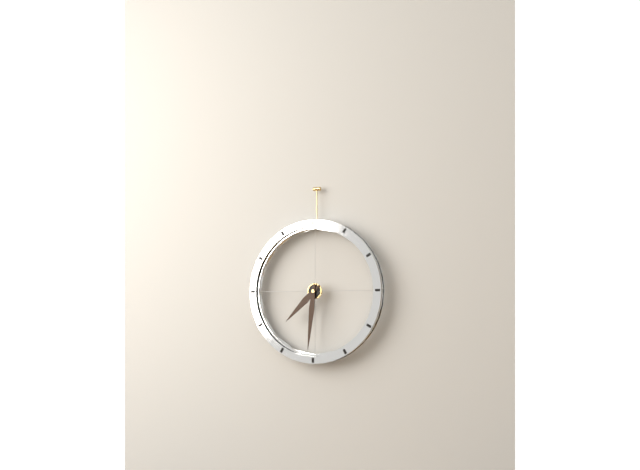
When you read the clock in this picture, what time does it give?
7:31
